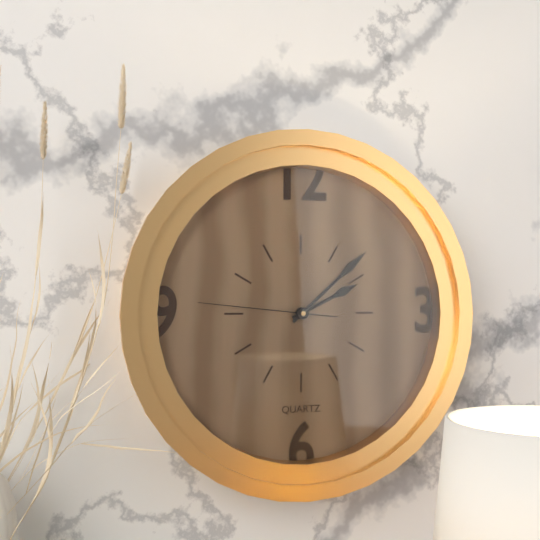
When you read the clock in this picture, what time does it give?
2:08:46
